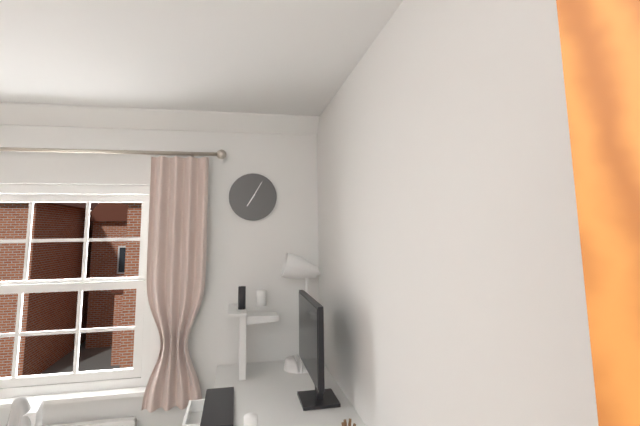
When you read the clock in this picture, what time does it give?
7:05
